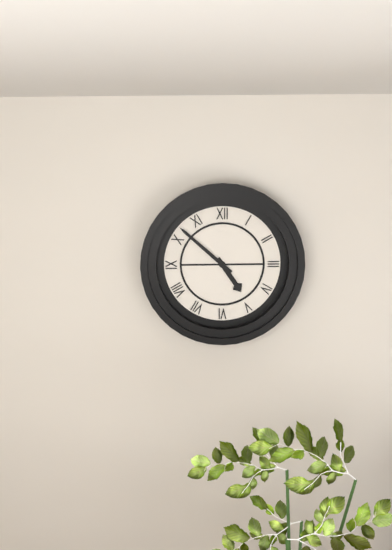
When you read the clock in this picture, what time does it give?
4:52
